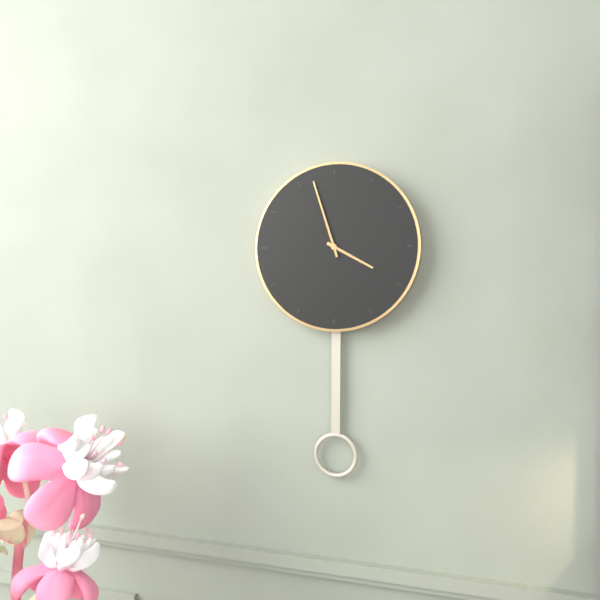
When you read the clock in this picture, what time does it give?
3:57
